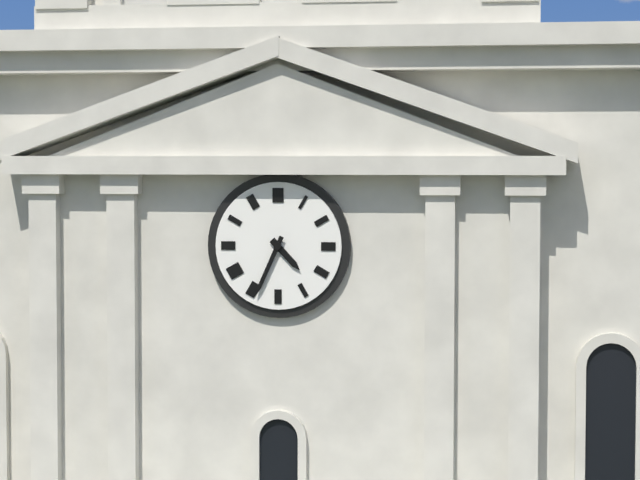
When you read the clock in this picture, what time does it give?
4:34
